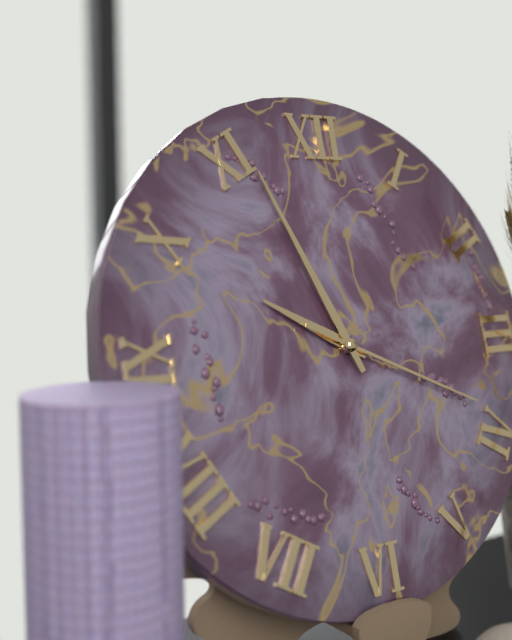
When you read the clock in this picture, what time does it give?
9:56:19
